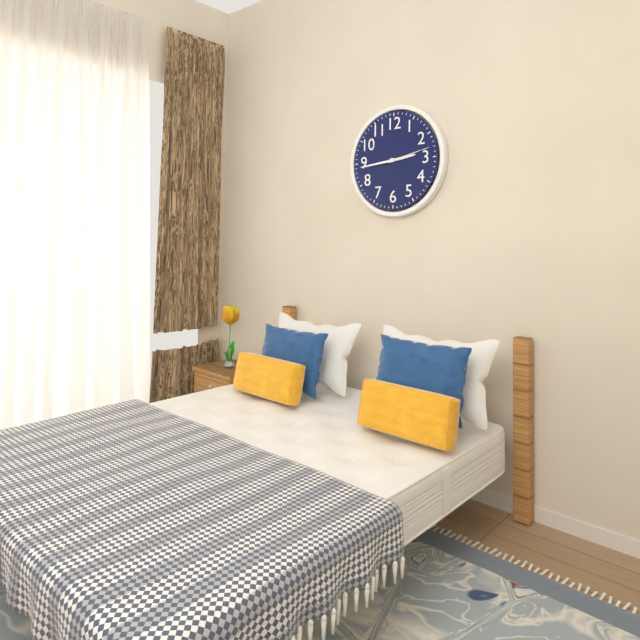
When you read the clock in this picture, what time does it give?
2:44
